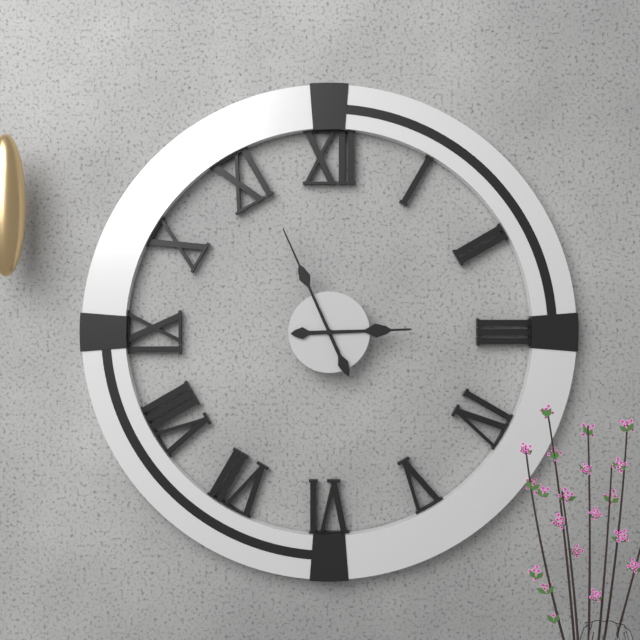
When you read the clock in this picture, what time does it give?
2:56
